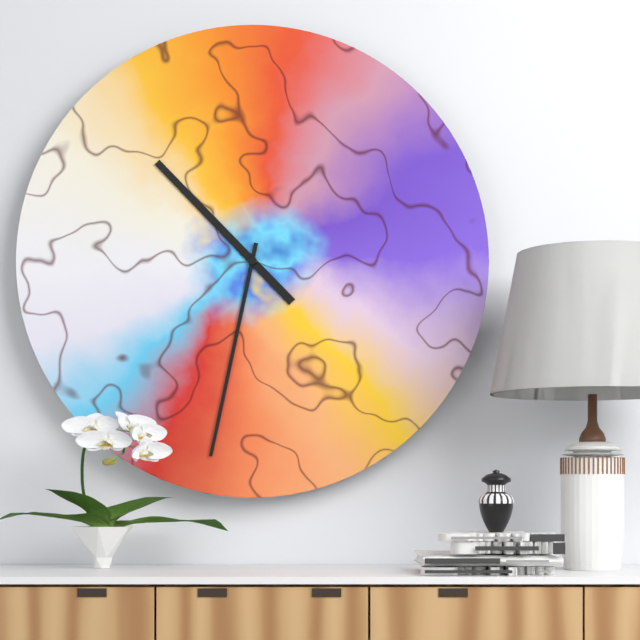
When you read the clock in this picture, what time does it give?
10:32
